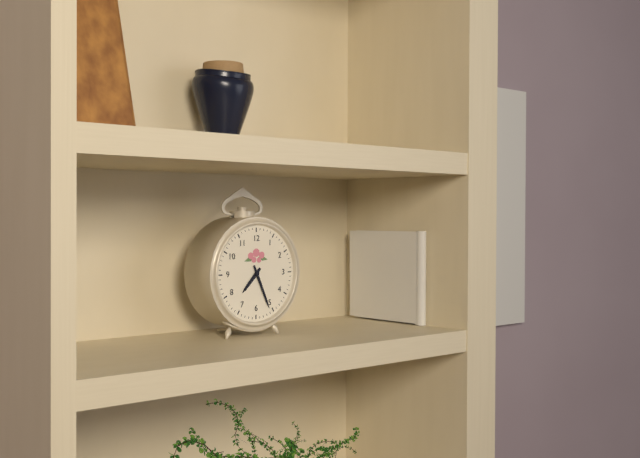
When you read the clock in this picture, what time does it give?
7:26
